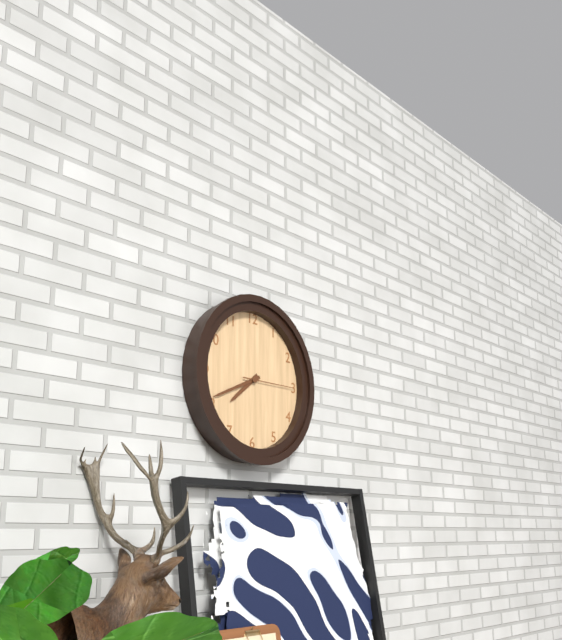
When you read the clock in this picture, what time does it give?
7:41:15
